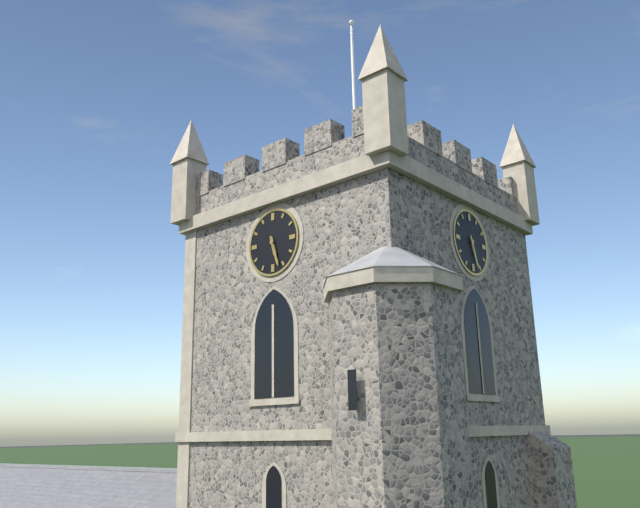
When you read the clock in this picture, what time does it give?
5:27
